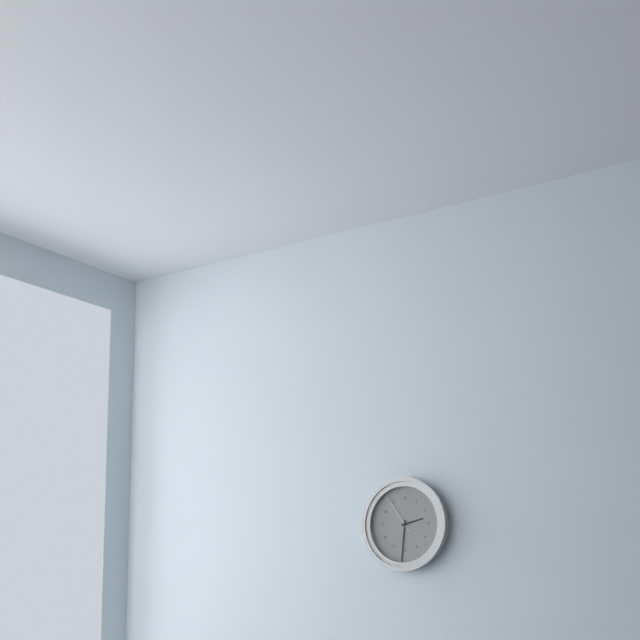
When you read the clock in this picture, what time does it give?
2:31
